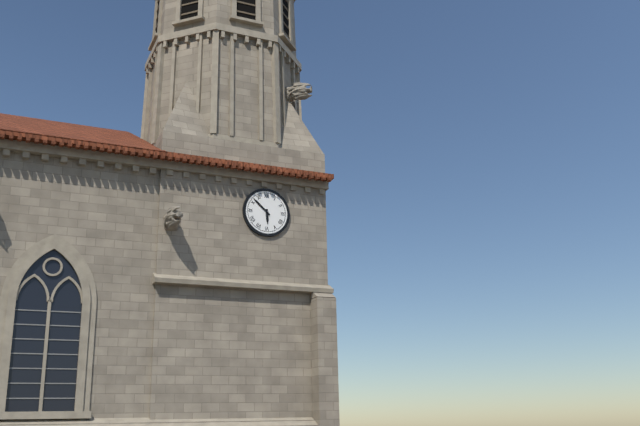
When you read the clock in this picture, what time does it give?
5:52
